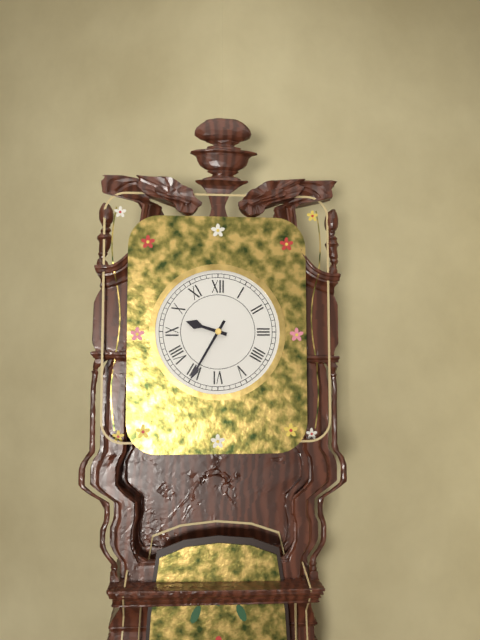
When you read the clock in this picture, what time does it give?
9:35
